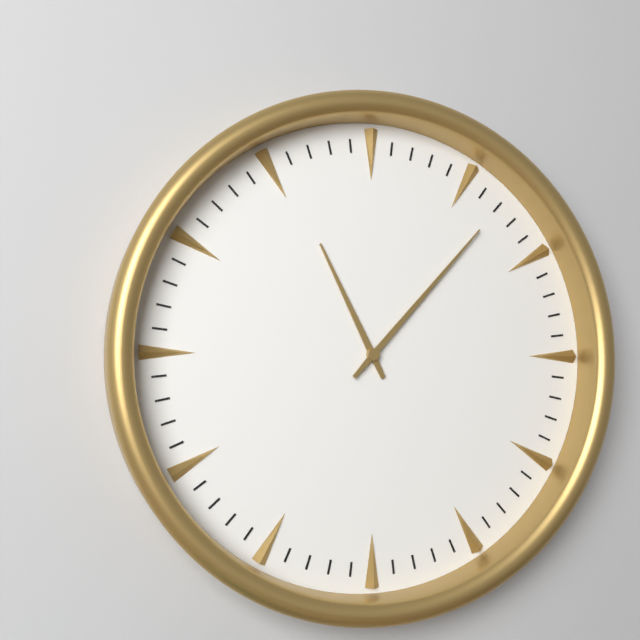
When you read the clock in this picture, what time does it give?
11:07
